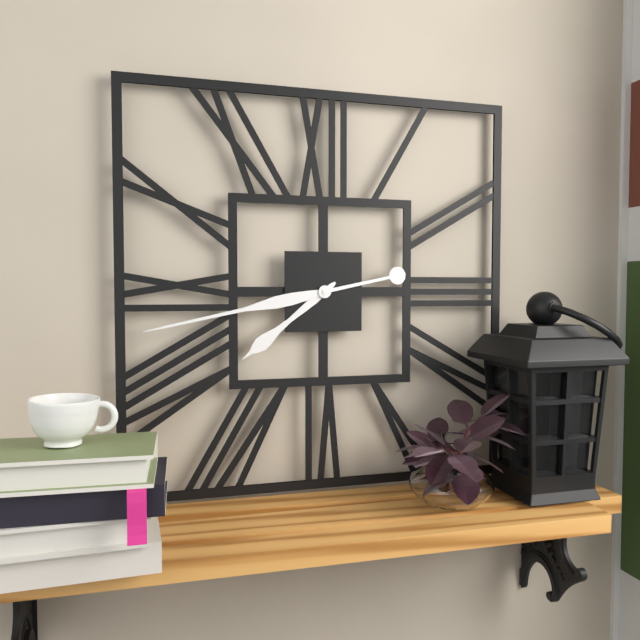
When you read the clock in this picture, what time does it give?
7:43
